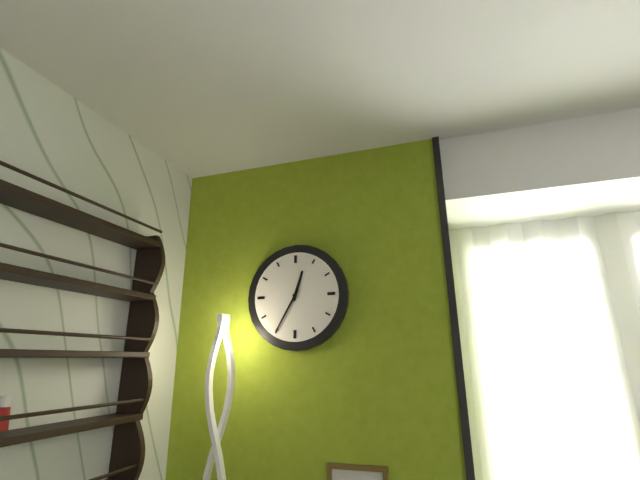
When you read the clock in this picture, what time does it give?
12:35
